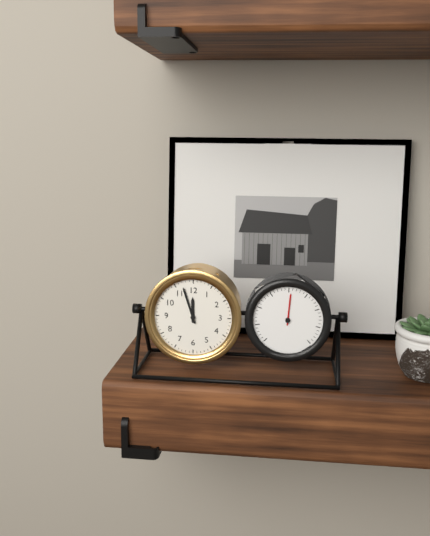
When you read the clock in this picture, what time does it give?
11:57
